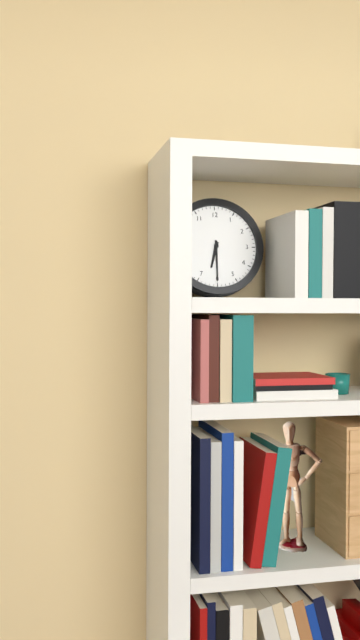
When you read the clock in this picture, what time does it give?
6:30
